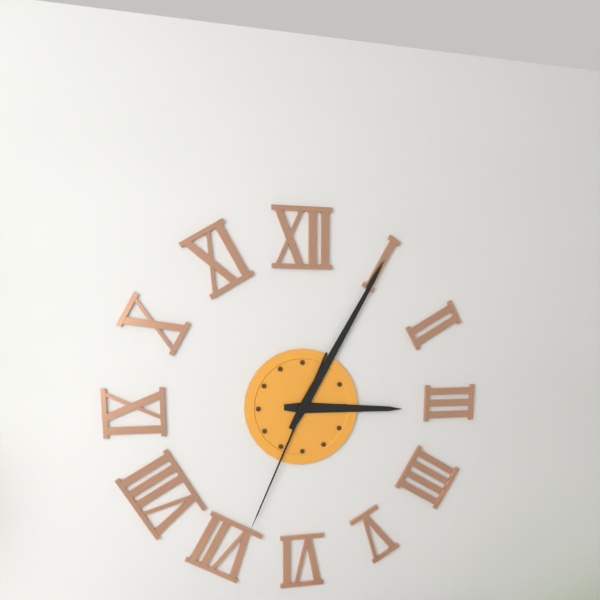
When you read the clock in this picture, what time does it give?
3:05:34
